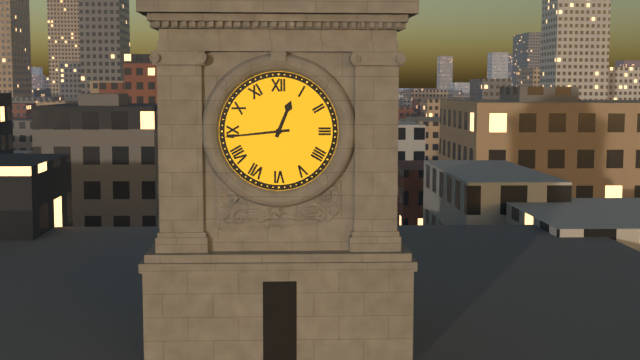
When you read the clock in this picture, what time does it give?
12:44
